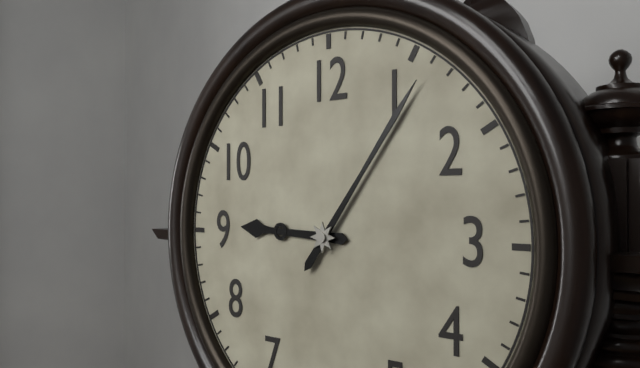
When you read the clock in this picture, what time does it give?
9:06
